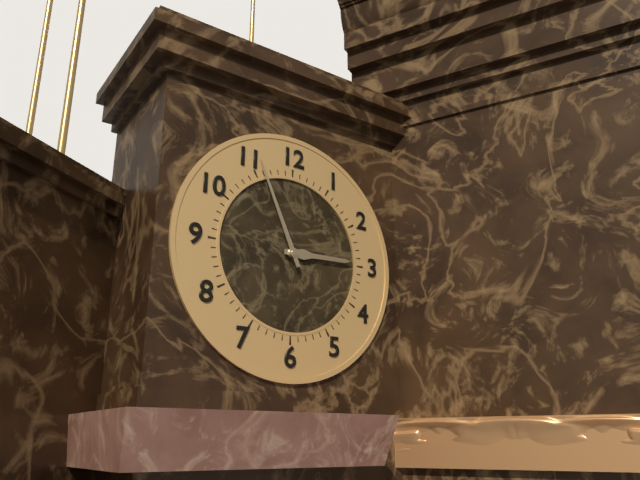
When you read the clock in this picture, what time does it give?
2:56
